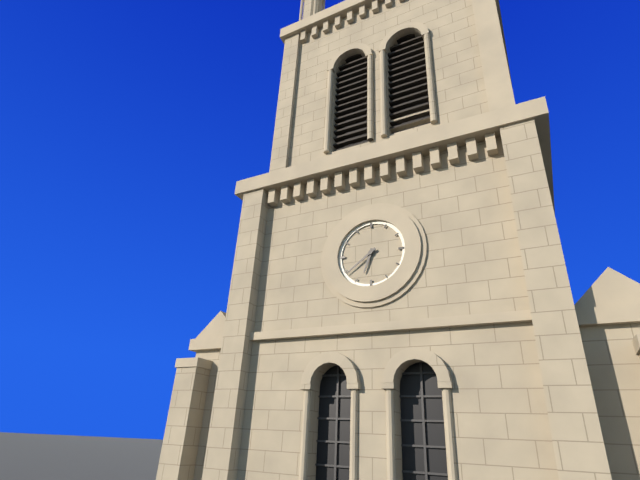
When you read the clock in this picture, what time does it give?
6:39
